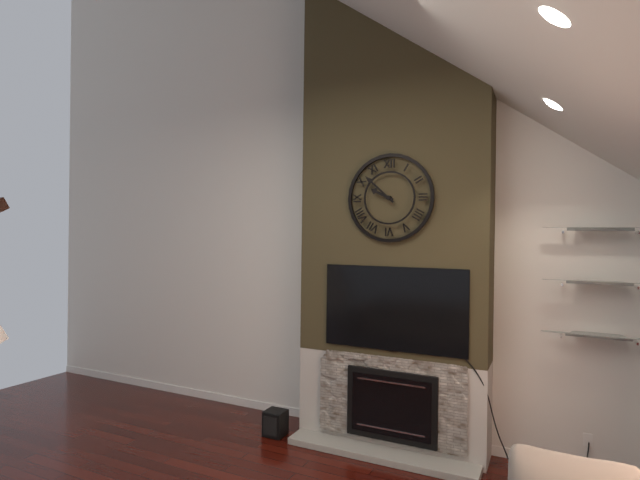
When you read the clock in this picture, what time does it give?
9:52
